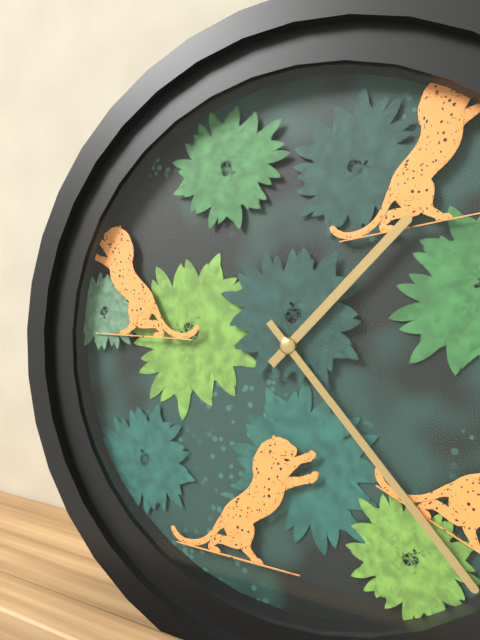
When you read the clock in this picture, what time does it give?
1:23
